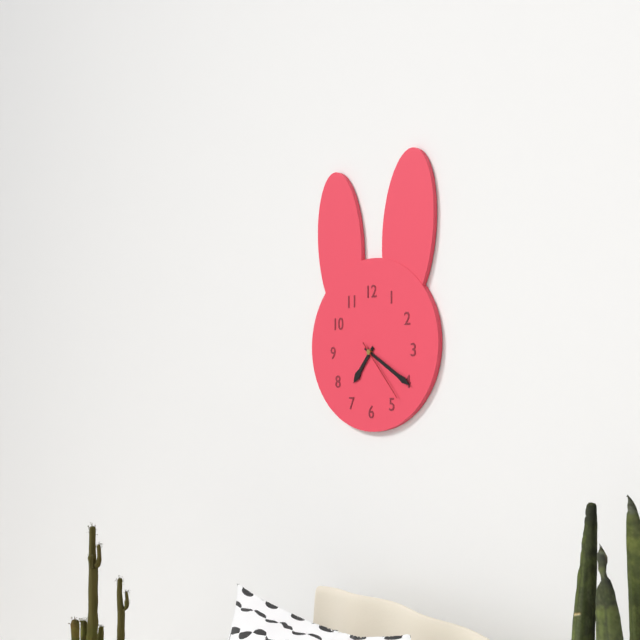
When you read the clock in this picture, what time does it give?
7:20:23
